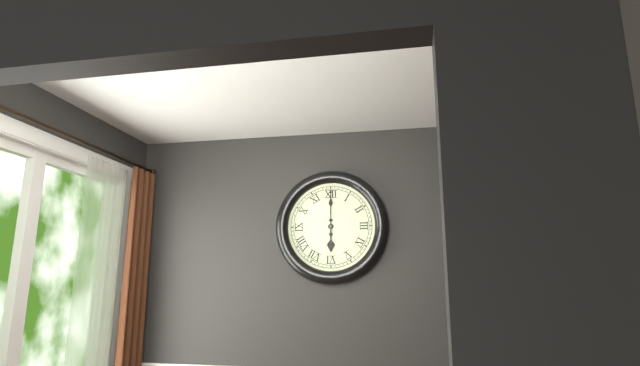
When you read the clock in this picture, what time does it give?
6:00
